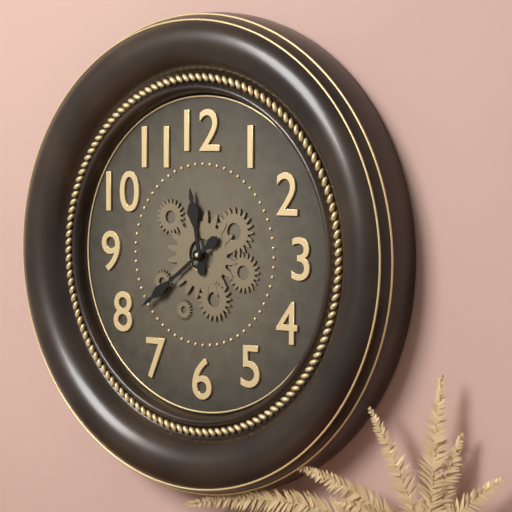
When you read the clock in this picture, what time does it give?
11:39
